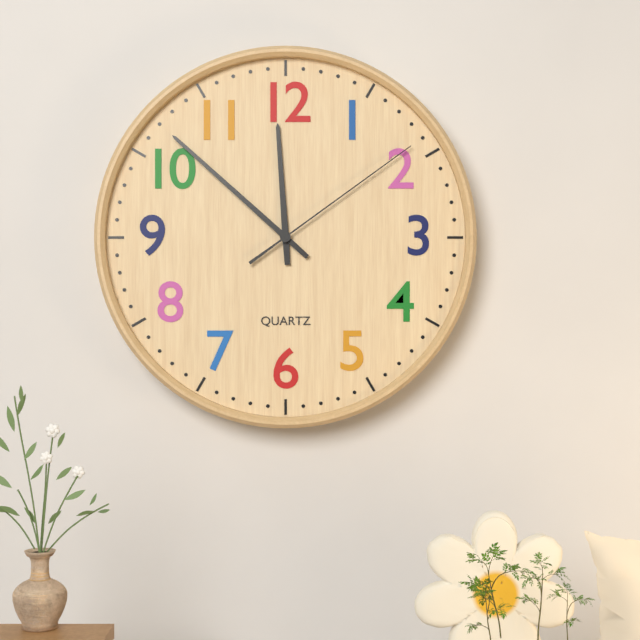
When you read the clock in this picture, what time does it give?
11:52:09
